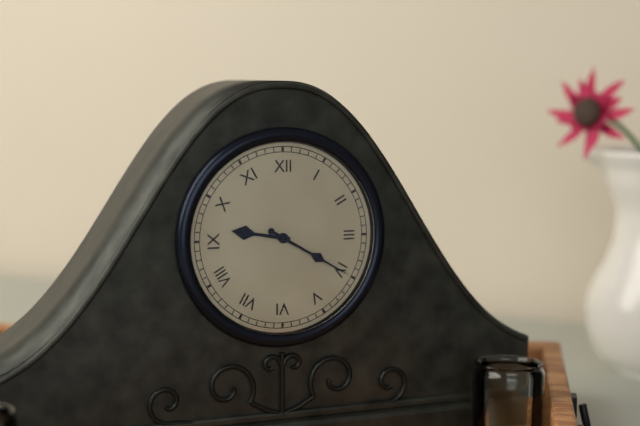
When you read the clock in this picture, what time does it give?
9:20
